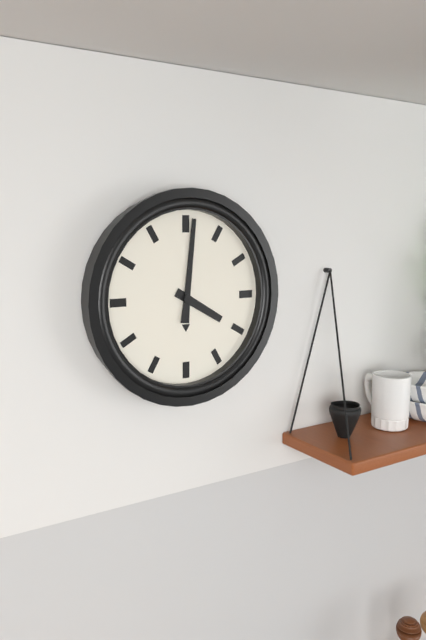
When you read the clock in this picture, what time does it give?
4:01
